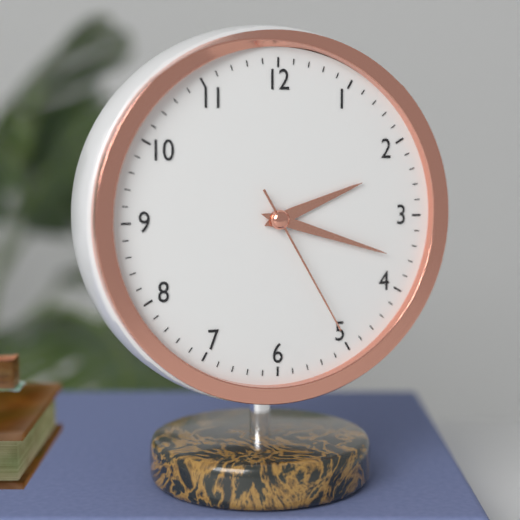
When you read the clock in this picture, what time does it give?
2:18:25
